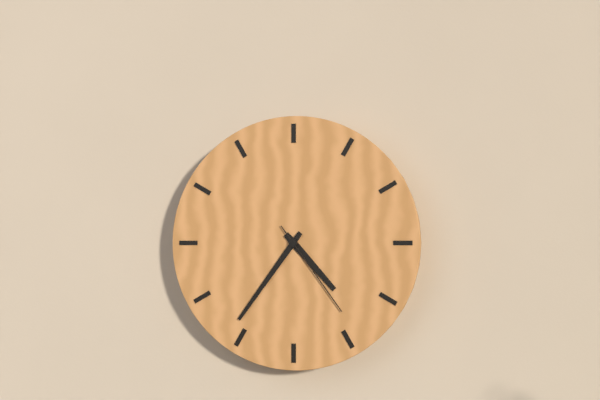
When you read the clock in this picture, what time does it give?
4:36:24
